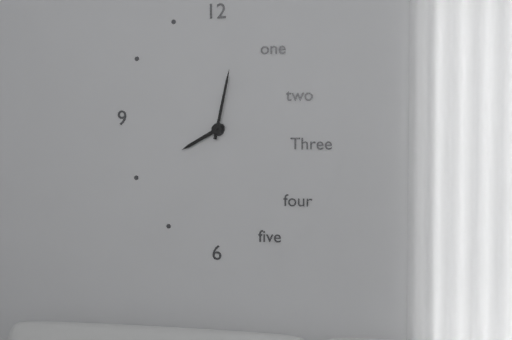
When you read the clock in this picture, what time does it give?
8:02
